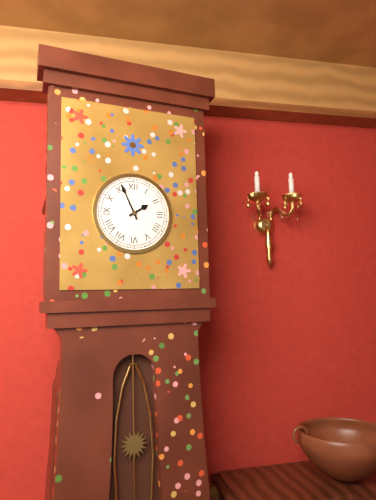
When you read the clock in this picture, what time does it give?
1:56
